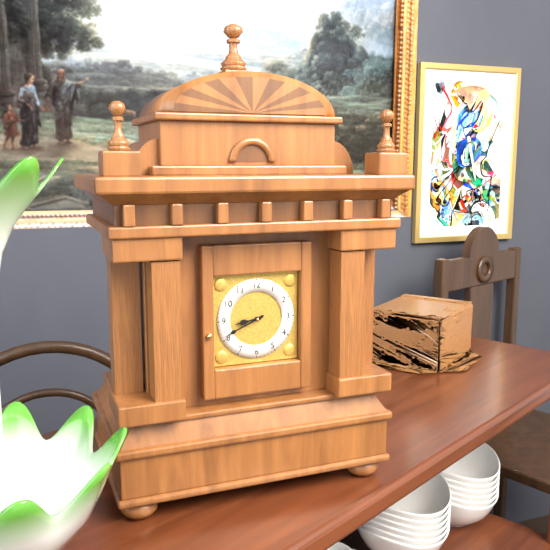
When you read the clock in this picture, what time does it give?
8:41
